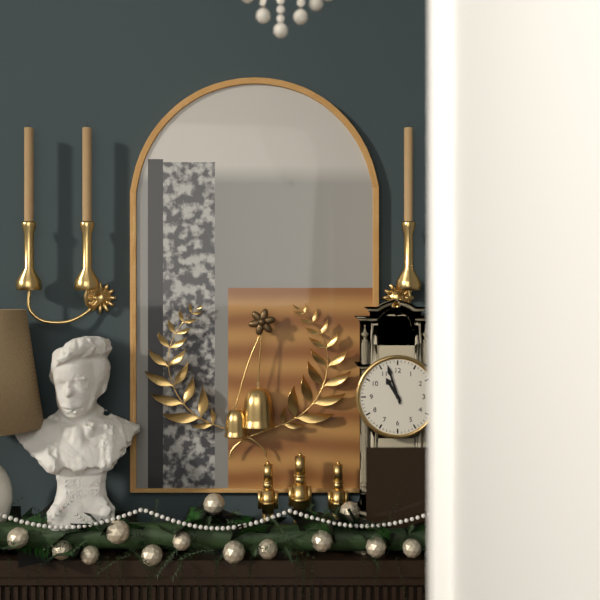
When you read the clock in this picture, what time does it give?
10:57
